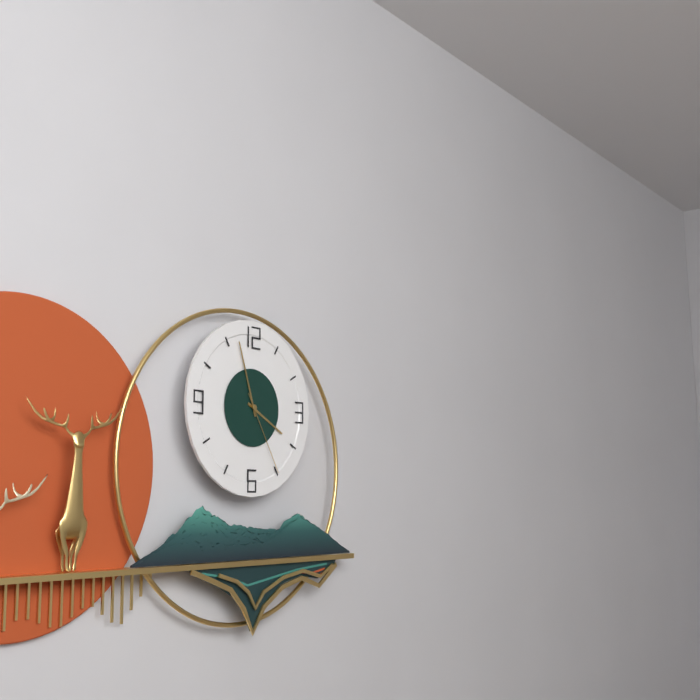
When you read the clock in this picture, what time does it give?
3:57:25
